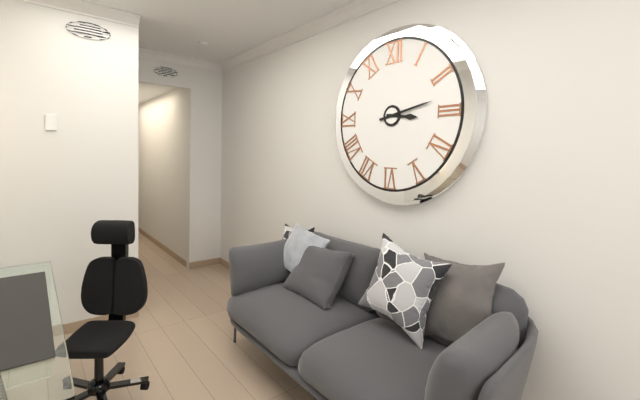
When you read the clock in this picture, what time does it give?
3:13
